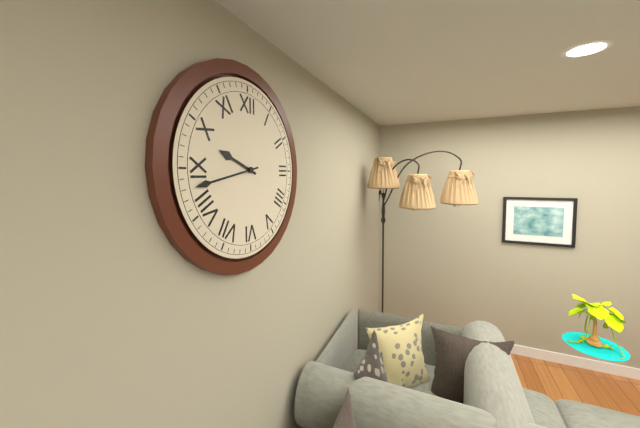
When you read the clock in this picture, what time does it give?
9:43
